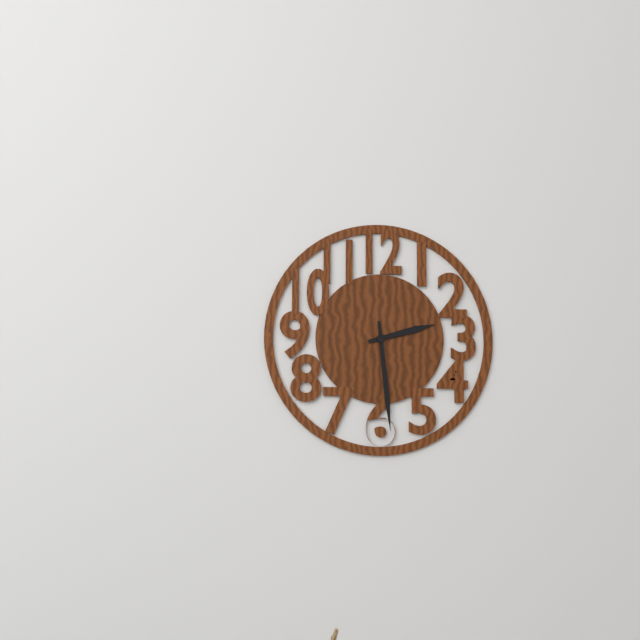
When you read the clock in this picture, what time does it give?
2:29
